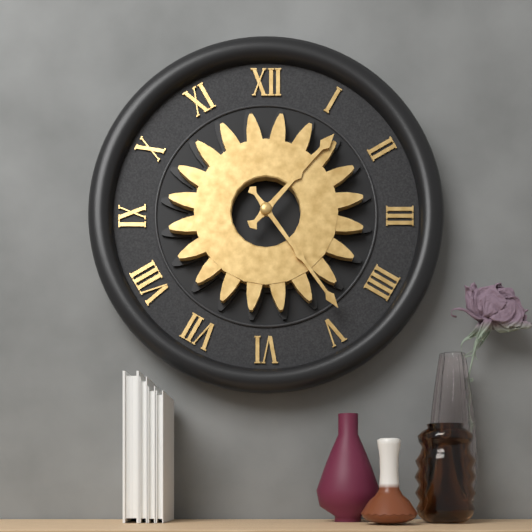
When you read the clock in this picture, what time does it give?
1:24
